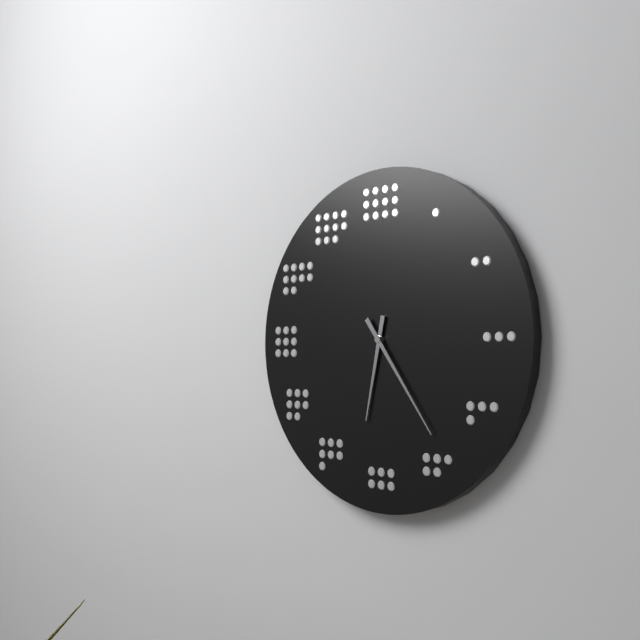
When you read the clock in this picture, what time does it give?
6:24
